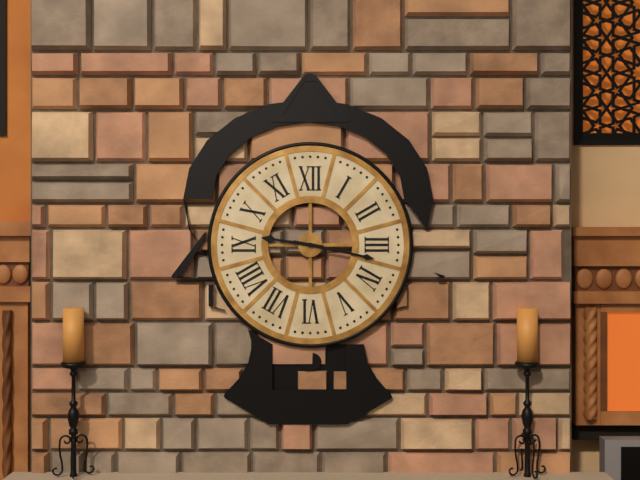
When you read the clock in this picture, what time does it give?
9:17
